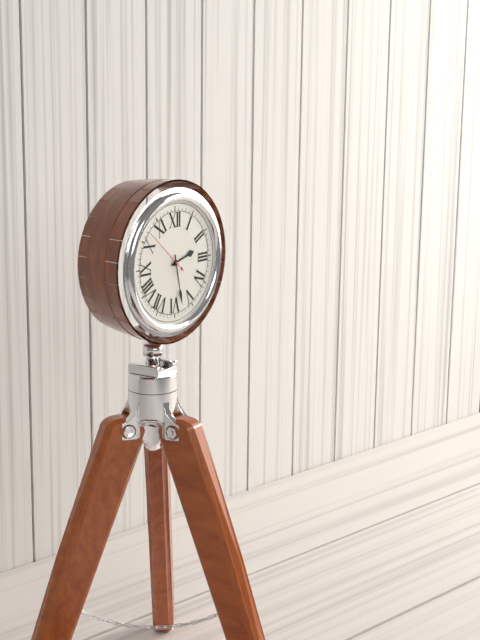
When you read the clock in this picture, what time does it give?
2:28
